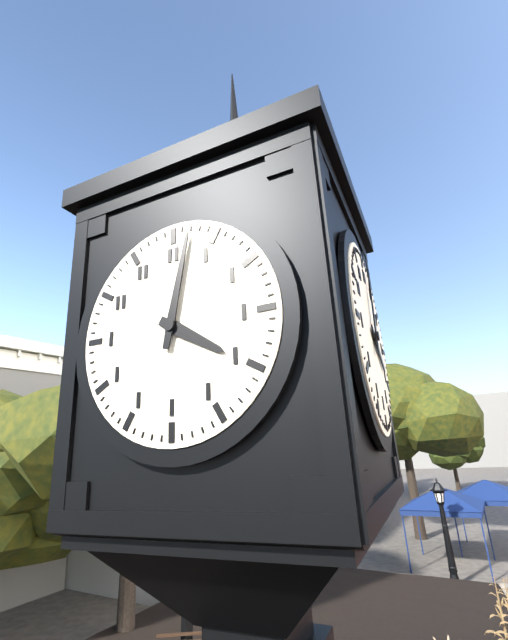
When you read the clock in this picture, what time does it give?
4:02
